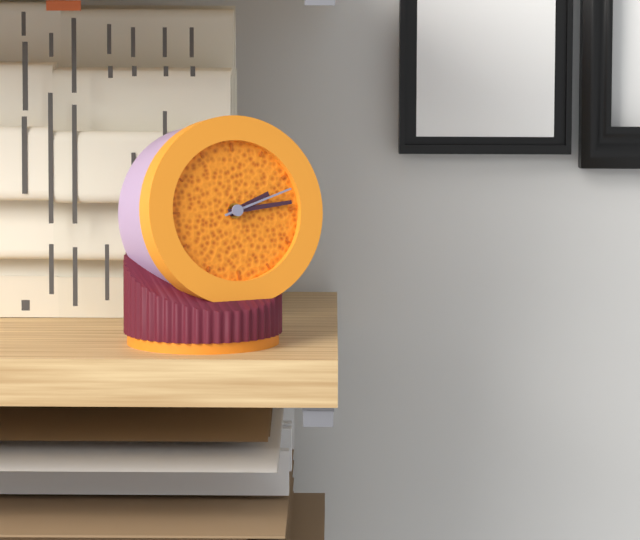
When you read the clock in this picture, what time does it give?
2:14:12
